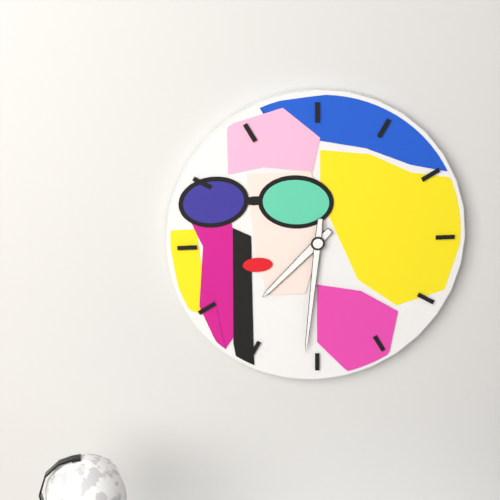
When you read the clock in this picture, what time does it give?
7:31
